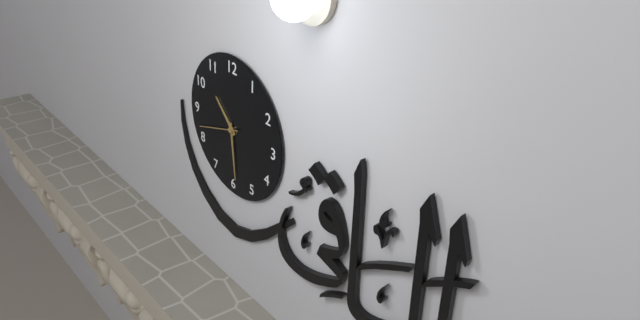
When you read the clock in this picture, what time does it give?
10:29
